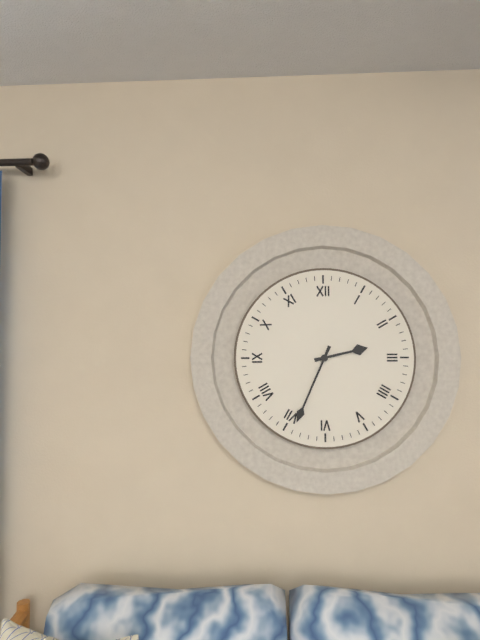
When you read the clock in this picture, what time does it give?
2:34
